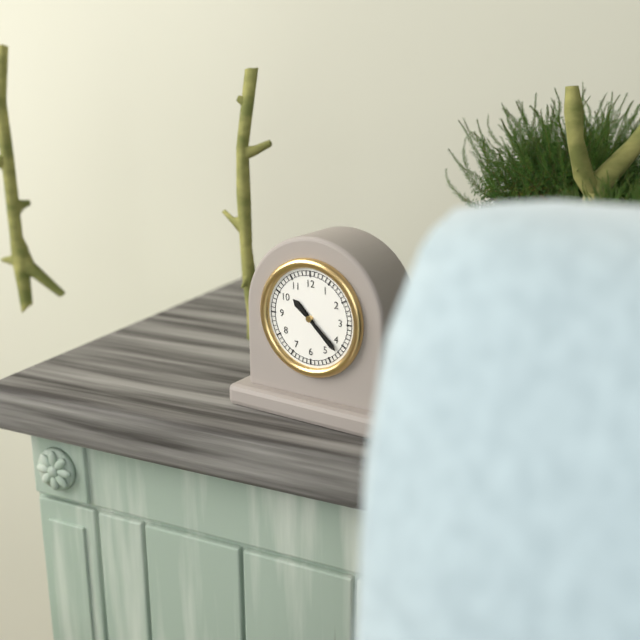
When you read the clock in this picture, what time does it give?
10:22
